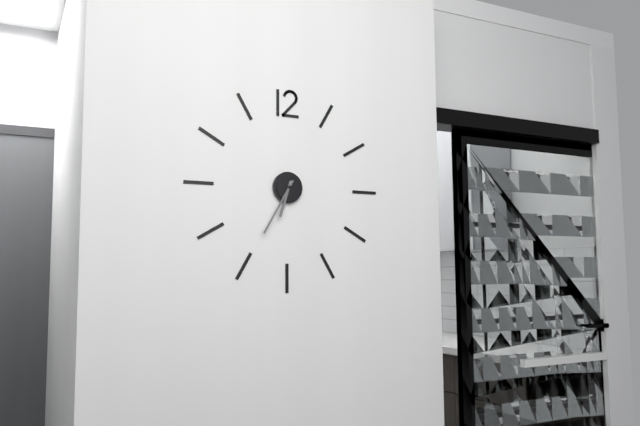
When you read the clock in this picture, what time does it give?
6:35
